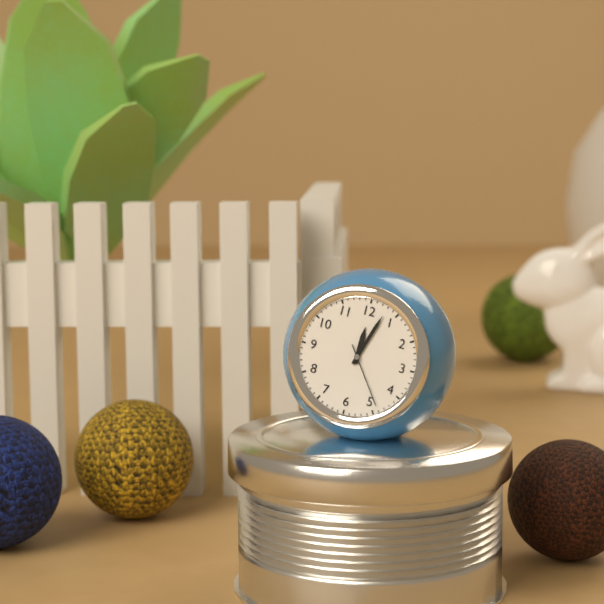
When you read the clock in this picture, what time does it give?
12:03:24
